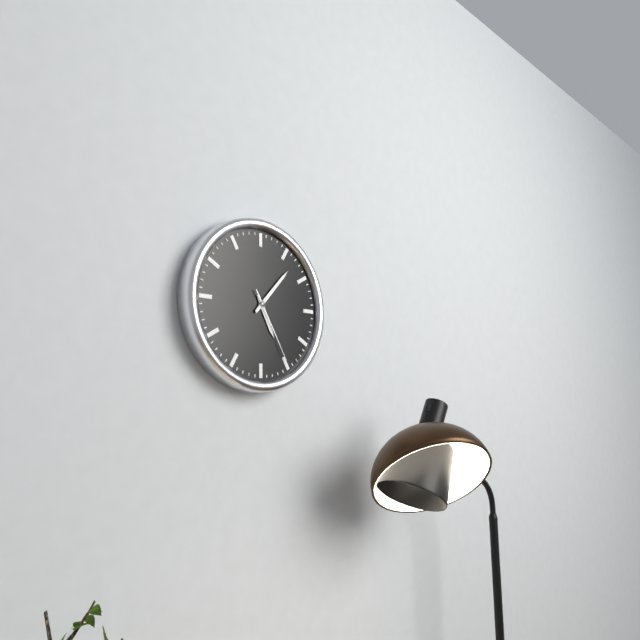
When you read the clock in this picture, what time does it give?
5:07:25
